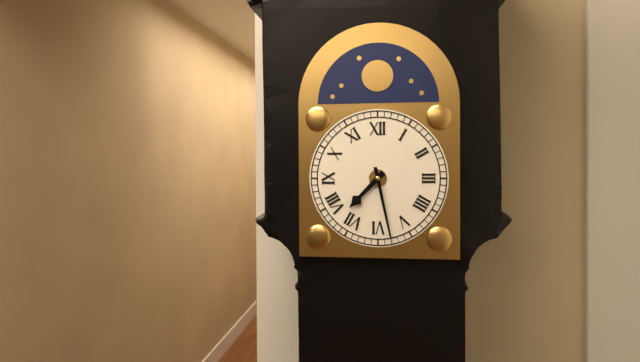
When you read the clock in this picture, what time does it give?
7:28
